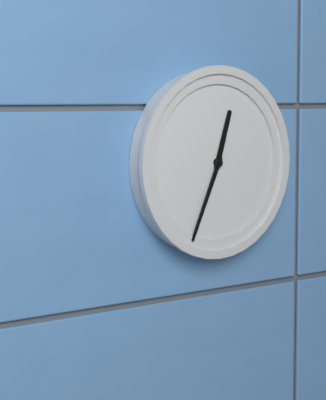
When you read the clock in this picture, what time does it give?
12:34
